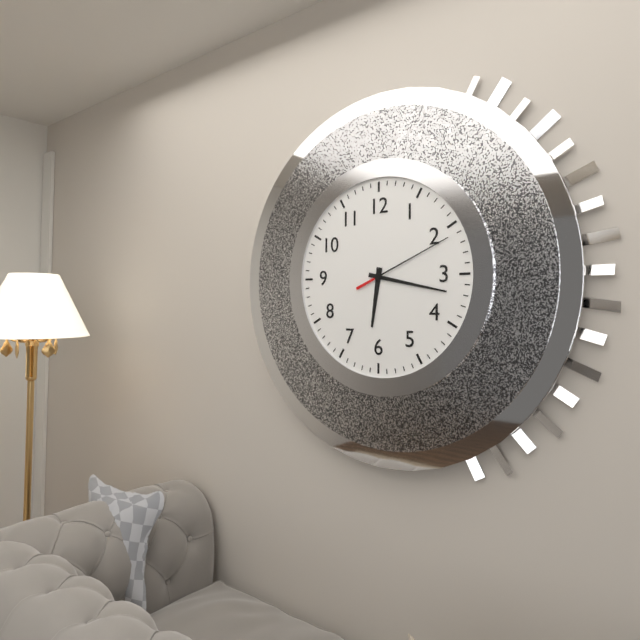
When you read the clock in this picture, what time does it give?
6:17:11
